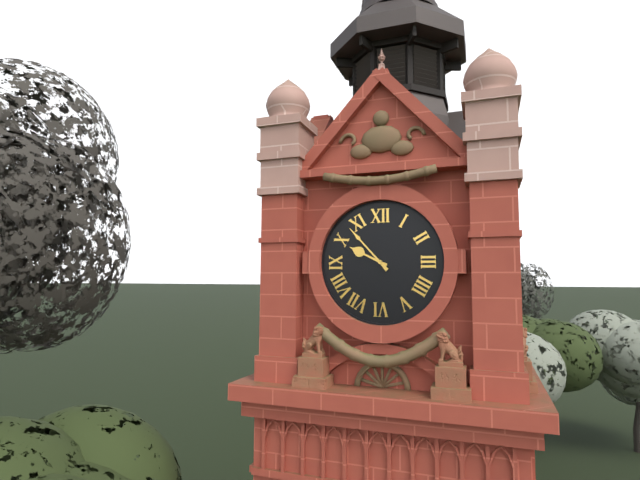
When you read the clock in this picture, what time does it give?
9:53
